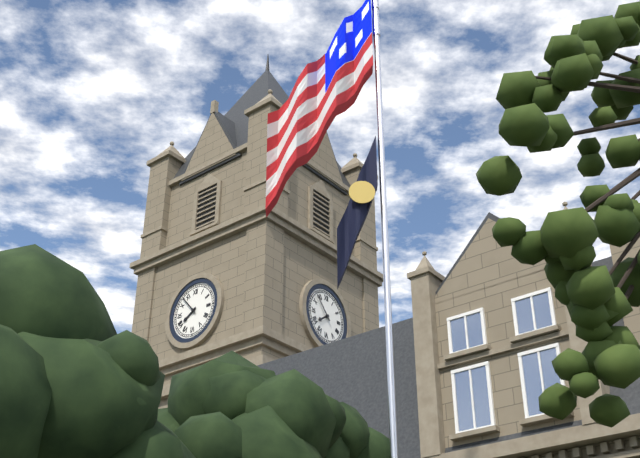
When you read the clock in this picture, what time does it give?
7:53
